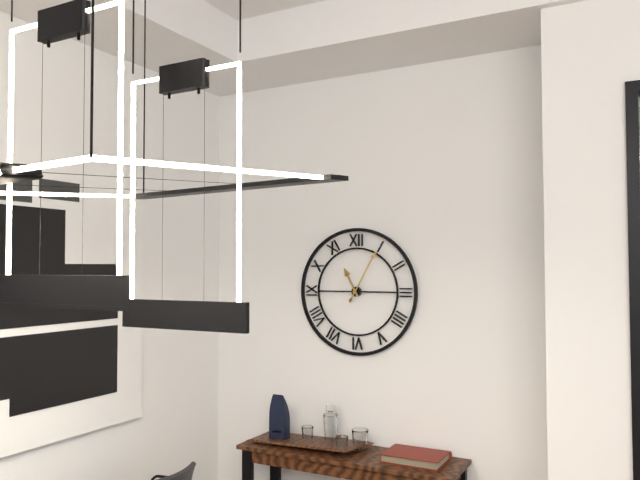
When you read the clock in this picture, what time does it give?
11:05
